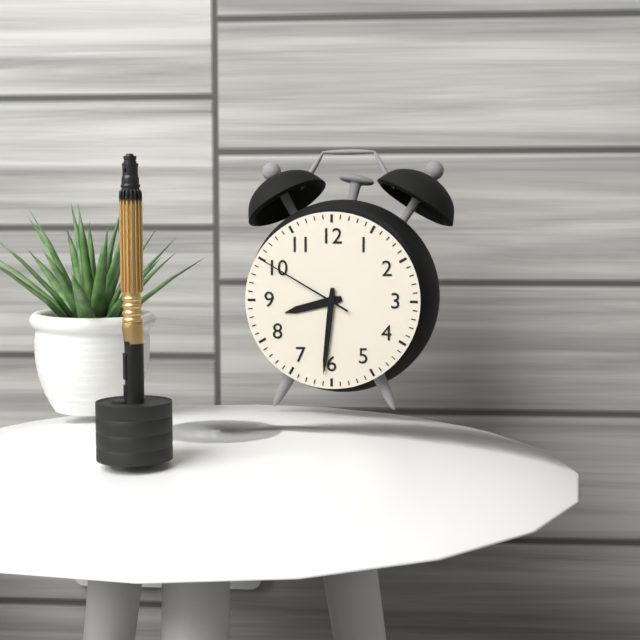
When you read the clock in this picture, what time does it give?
8:31:50
